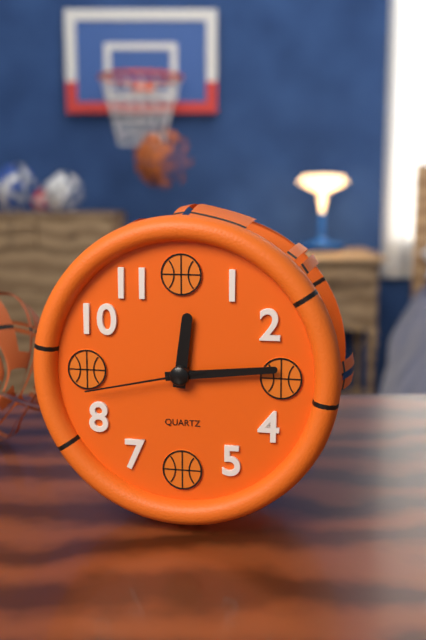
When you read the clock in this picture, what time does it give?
12:14:43
